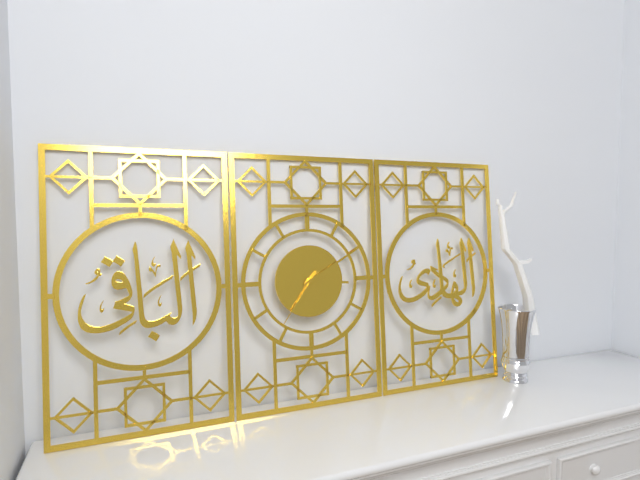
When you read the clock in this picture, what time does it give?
3:10:36
